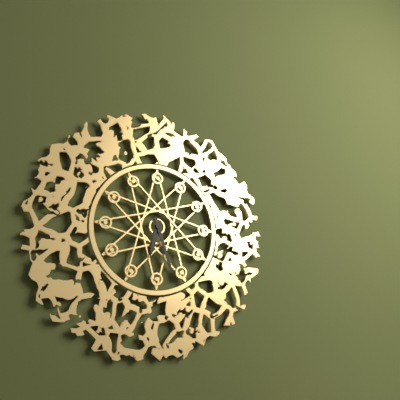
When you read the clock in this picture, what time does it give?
6:27
